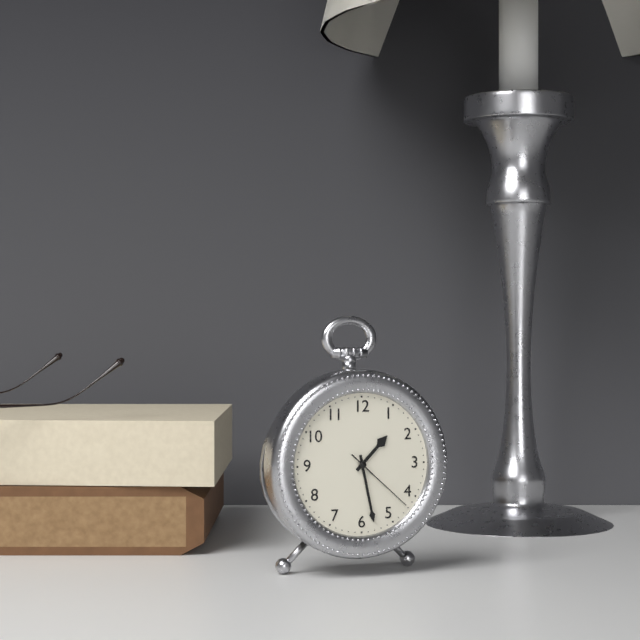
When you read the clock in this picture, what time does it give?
1:28:22
